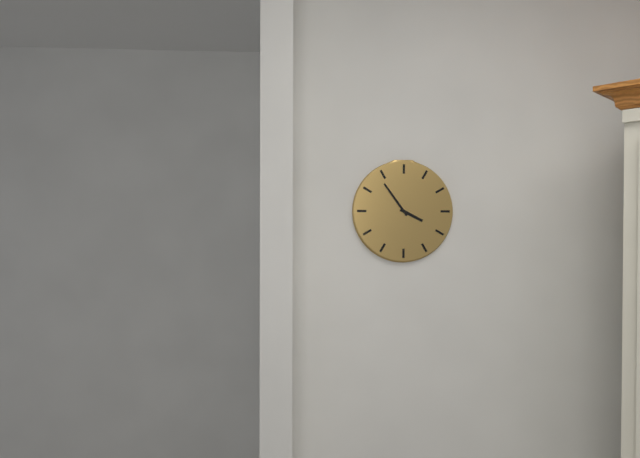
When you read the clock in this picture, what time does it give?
3:54
